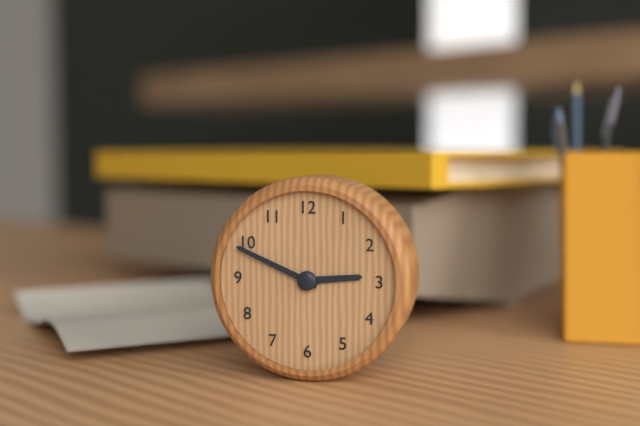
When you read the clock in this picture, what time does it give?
2:49
